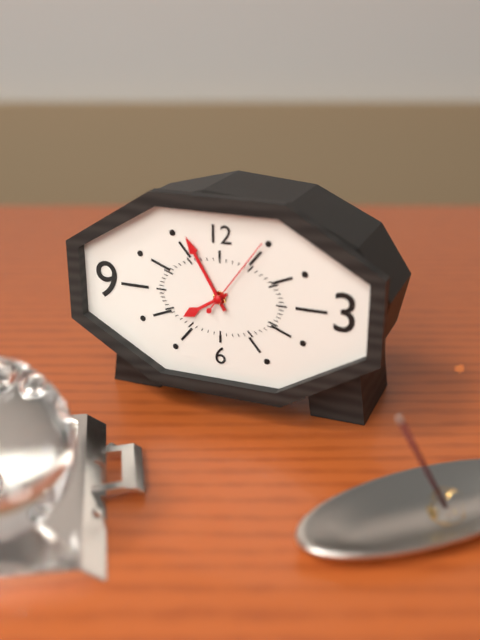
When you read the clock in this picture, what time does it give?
7:55:06
